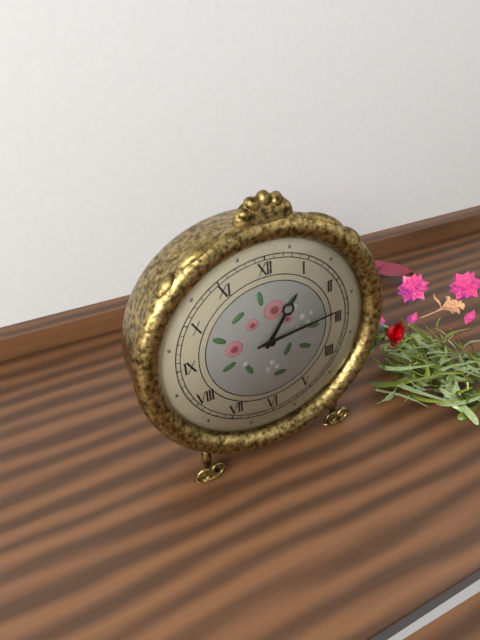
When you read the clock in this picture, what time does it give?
1:14
